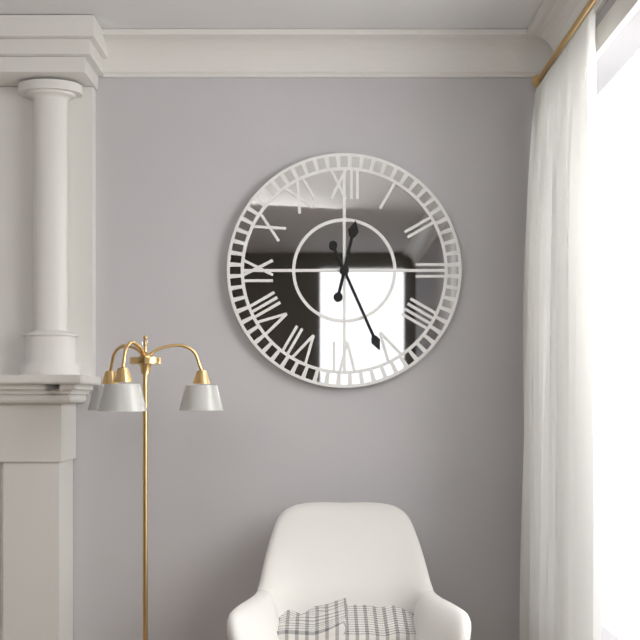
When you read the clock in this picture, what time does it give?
12:26
